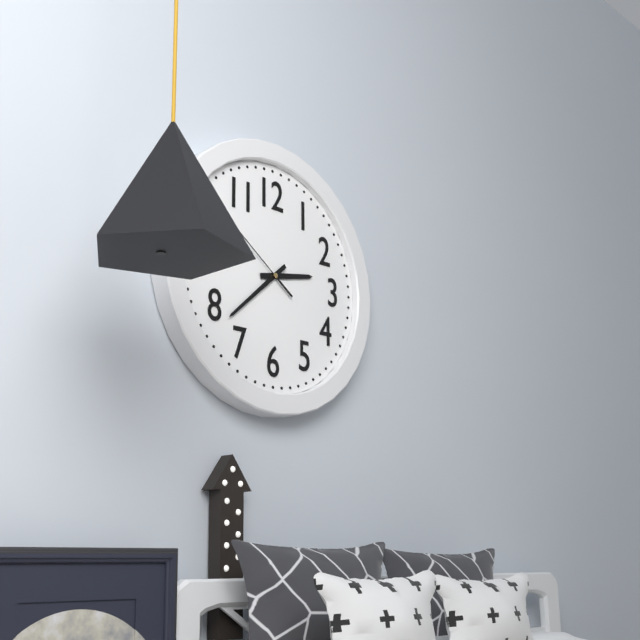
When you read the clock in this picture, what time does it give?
2:38:51
